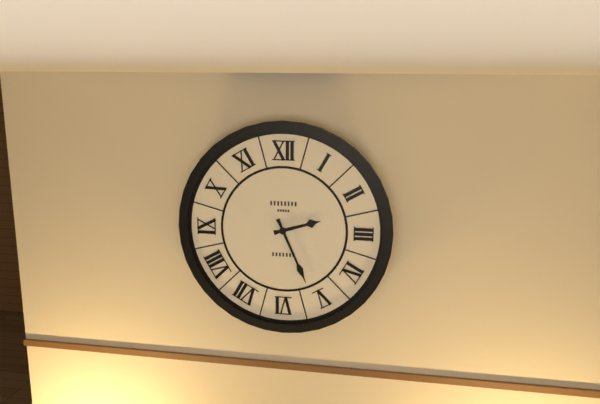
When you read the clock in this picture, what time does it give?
2:26
